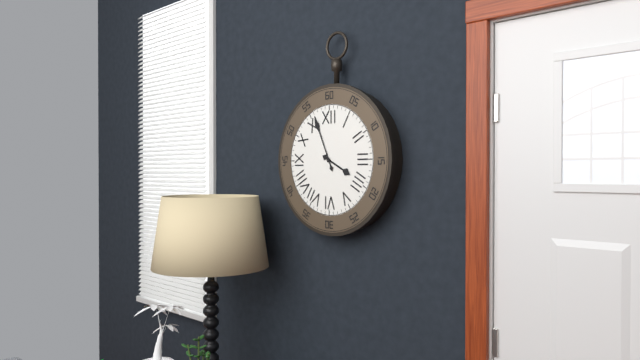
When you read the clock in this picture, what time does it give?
3:56
